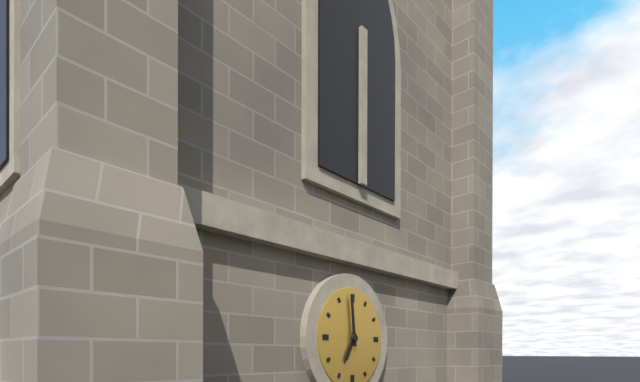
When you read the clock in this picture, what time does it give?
6:59
